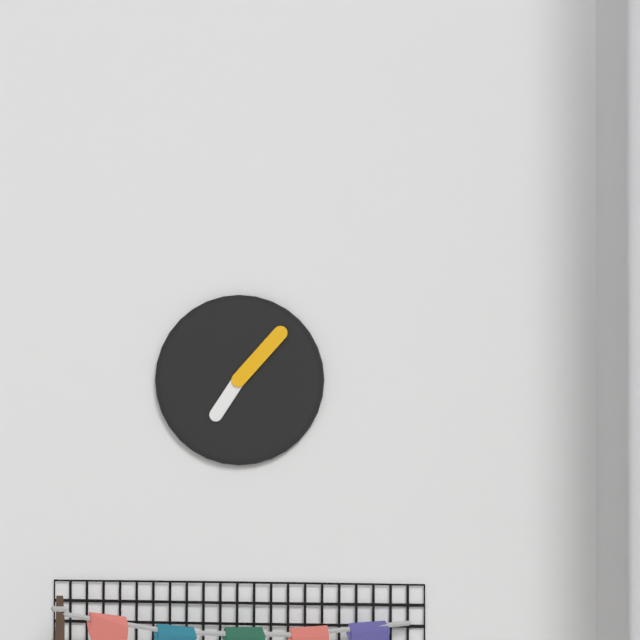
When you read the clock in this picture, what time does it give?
7:07
